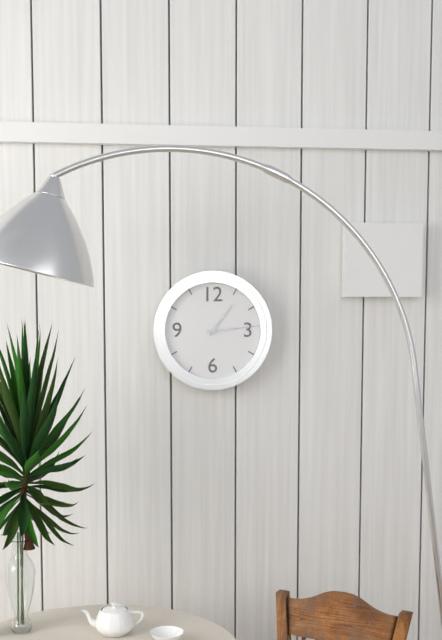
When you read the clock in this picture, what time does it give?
1:14
